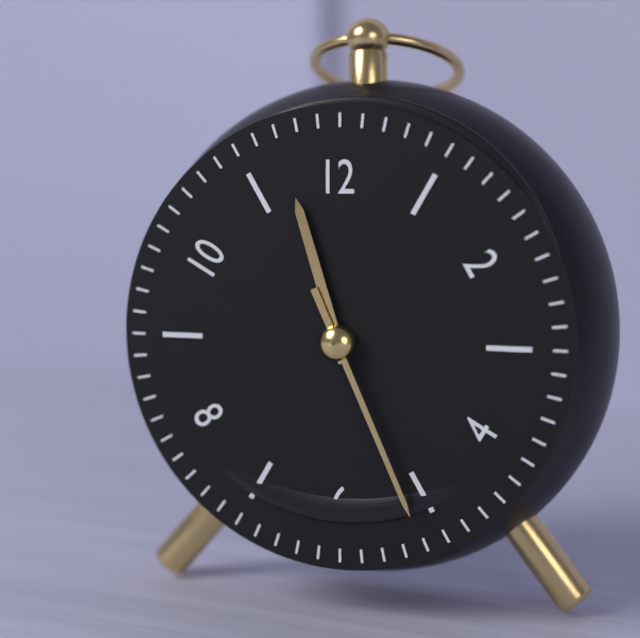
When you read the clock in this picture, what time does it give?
11:26
